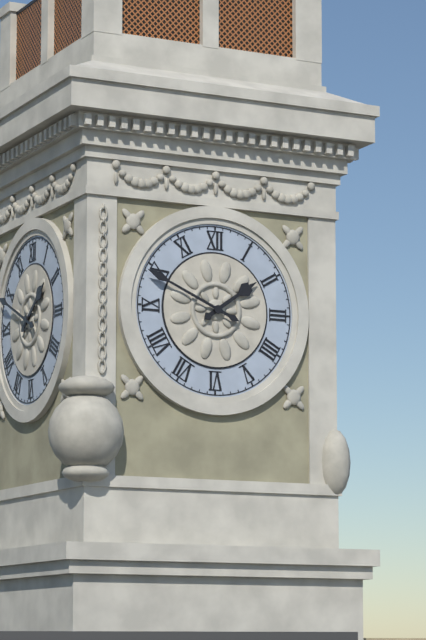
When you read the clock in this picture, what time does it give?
1:49
